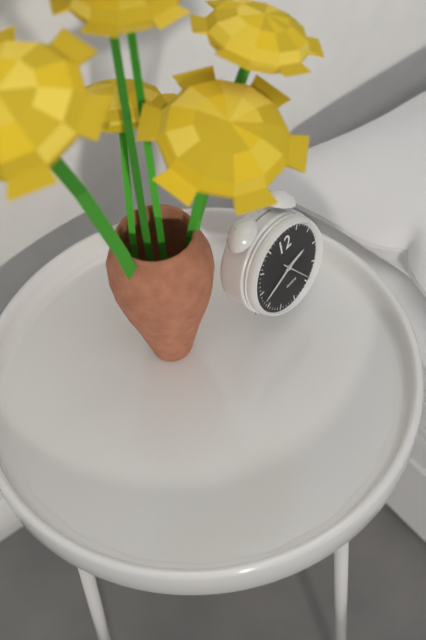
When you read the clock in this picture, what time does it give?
2:42
